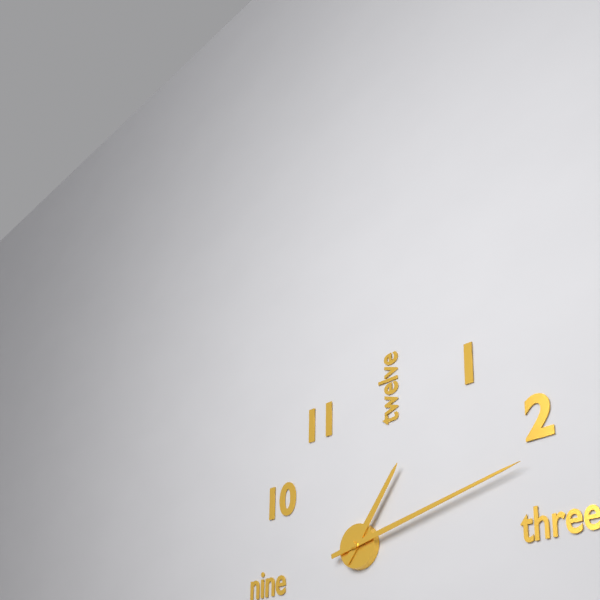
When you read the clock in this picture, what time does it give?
1:13
